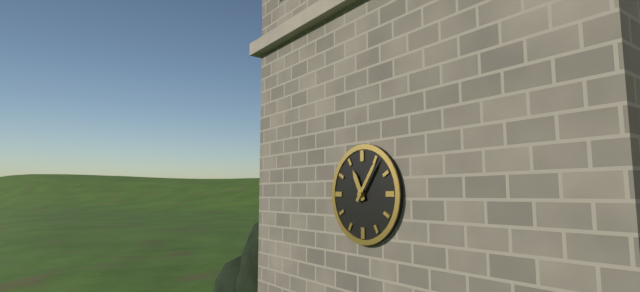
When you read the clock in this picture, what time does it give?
11:06
